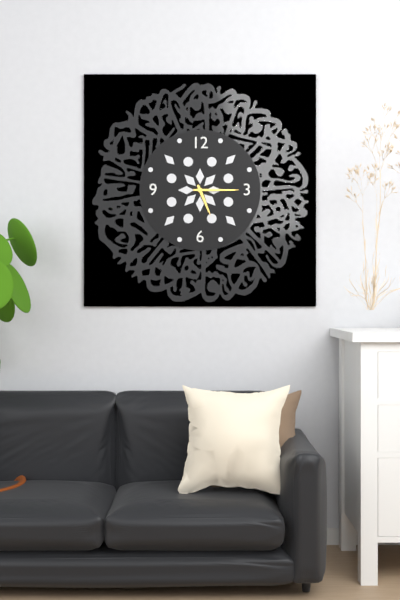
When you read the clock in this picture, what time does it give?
5:15
